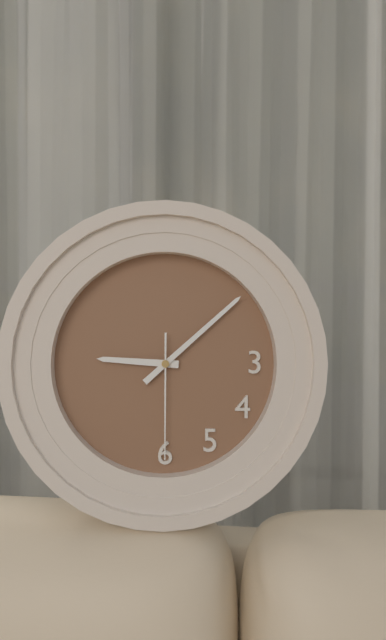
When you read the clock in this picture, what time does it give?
9:08:30
